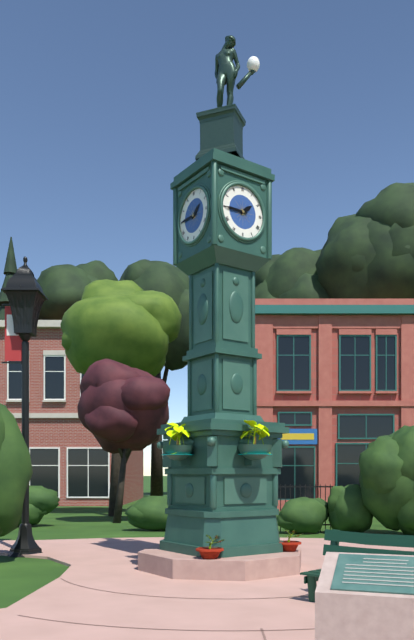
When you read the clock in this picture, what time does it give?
1:45
